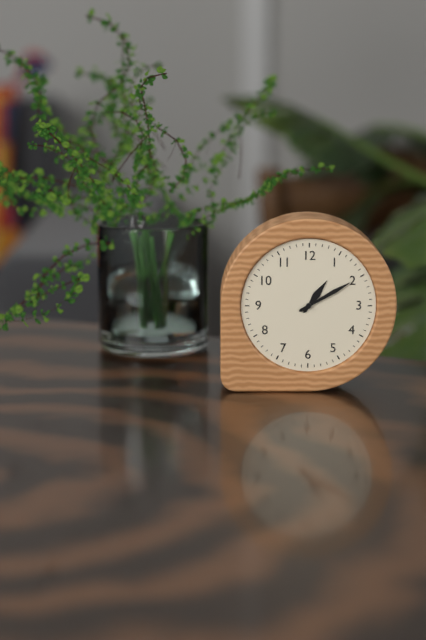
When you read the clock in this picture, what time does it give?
1:10
